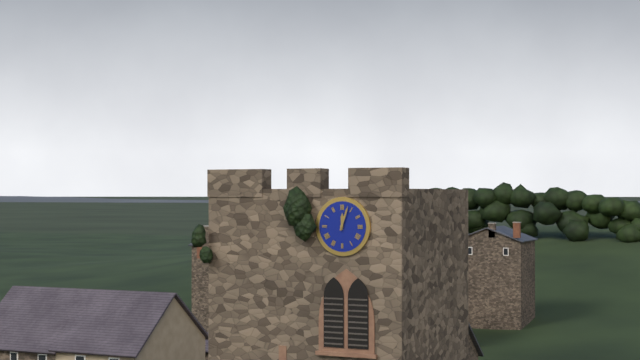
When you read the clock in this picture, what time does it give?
12:03
